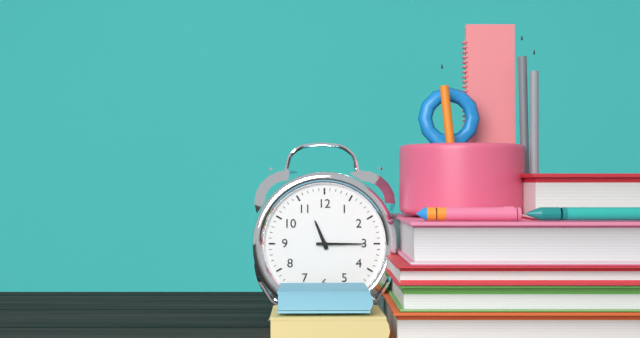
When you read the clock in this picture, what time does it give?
11:15
